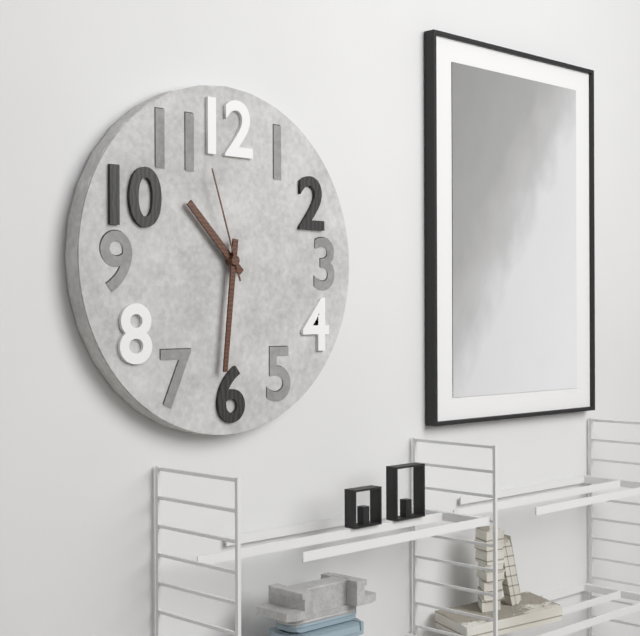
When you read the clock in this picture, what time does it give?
10:31:57
